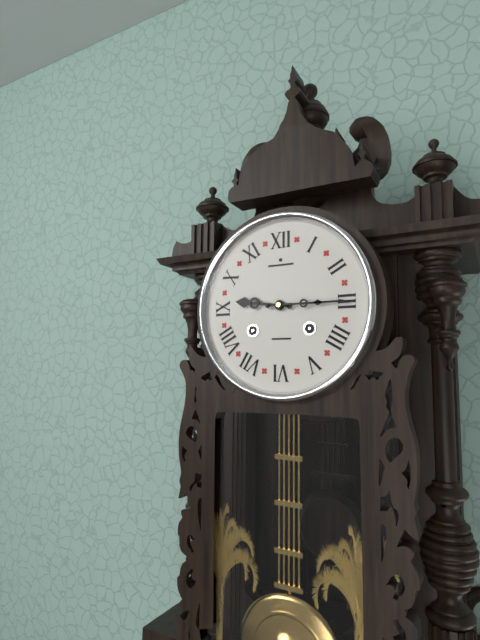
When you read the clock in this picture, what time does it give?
9:15
